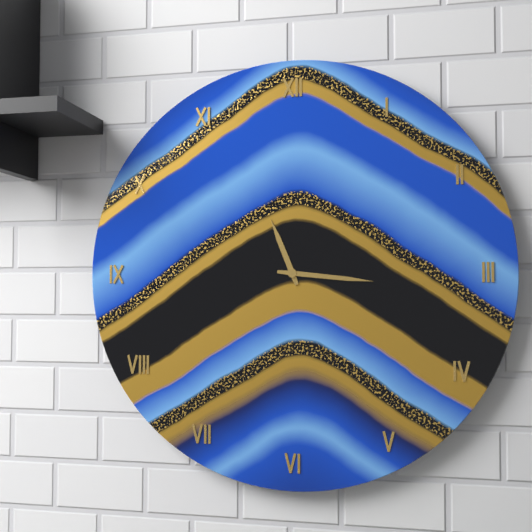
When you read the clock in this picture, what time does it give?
11:16
